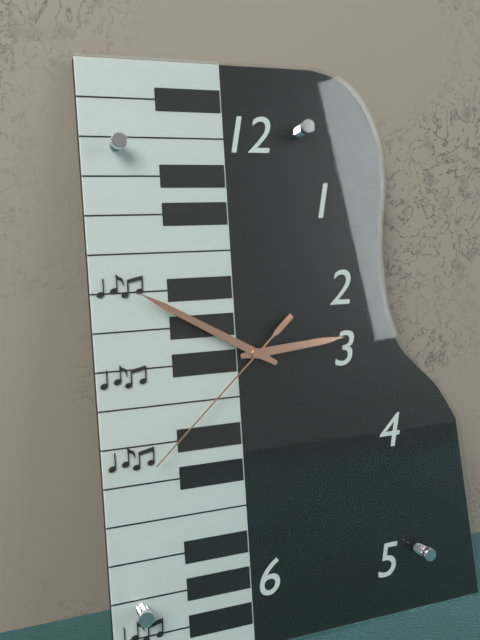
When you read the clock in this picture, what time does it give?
2:50:38
